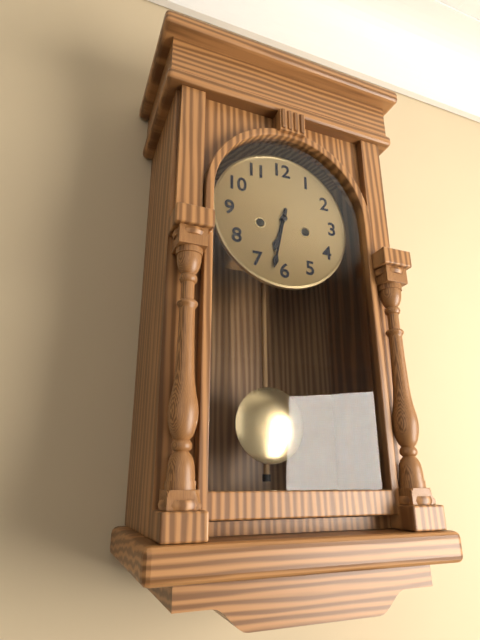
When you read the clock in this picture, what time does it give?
6:32
